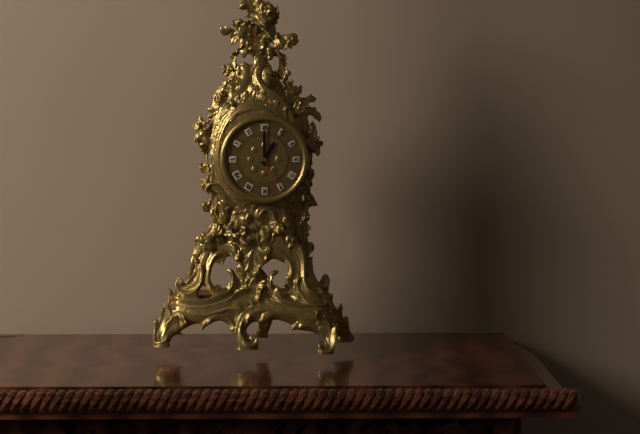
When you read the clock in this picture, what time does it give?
1:00
